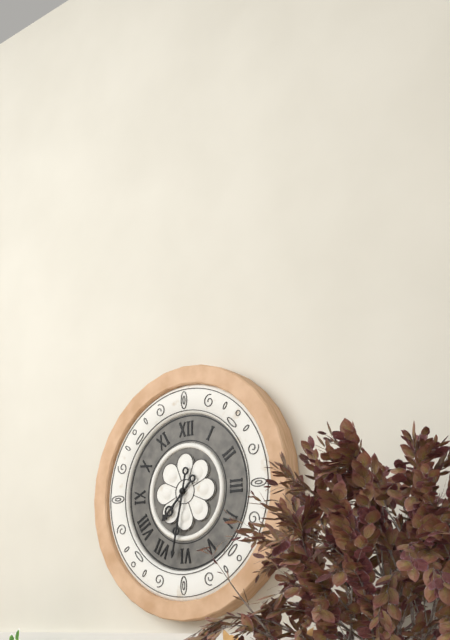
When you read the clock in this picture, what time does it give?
7:32
